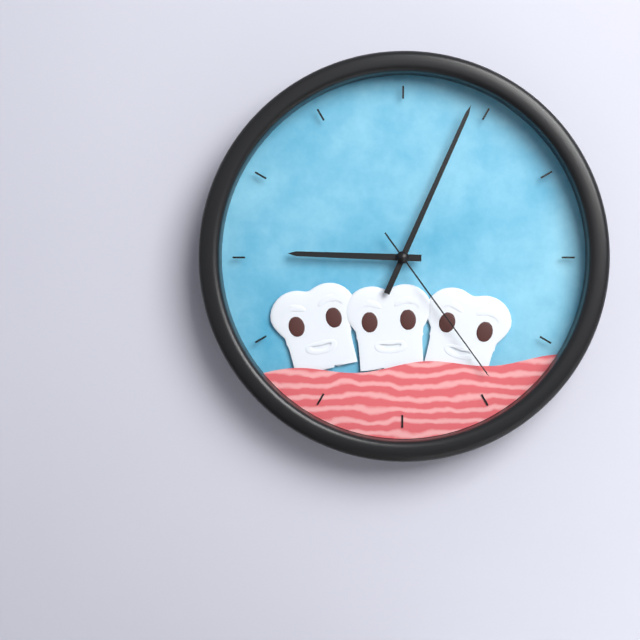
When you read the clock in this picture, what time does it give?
9:04:24
